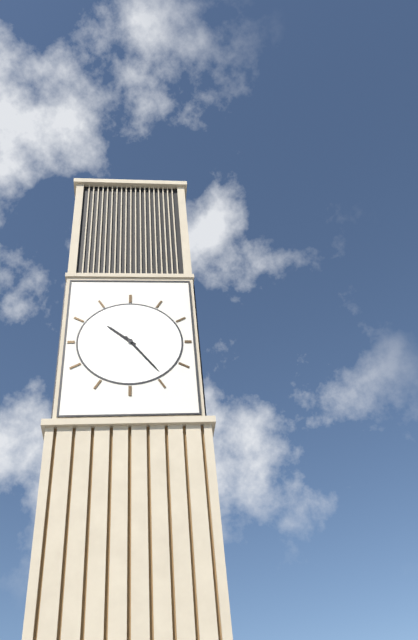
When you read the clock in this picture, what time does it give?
10:24
